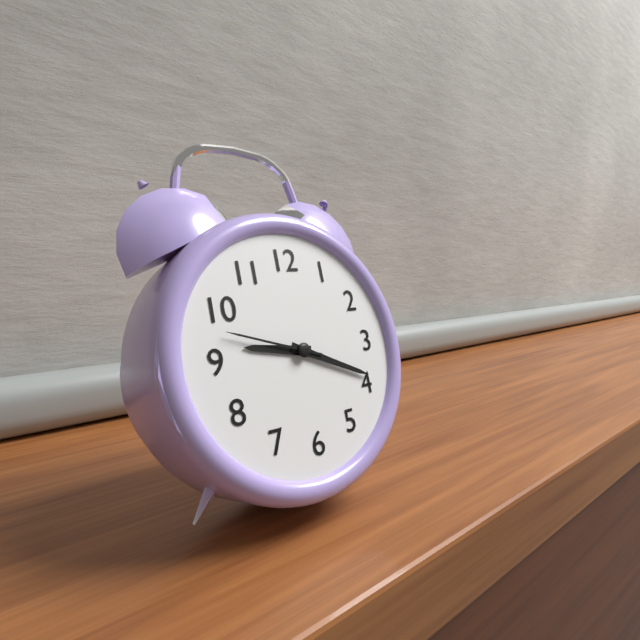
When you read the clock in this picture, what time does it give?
9:19:48
